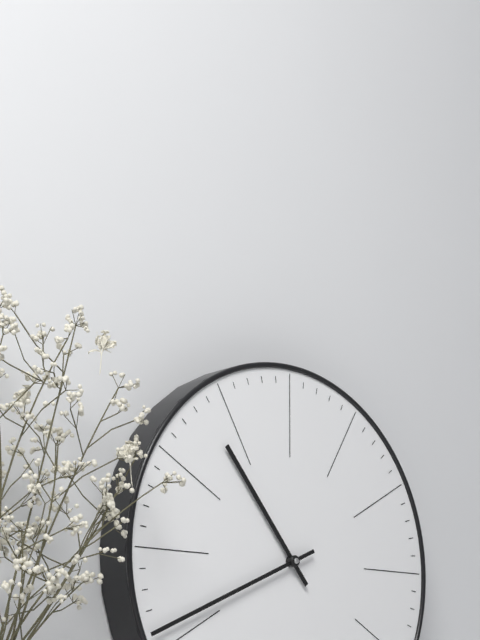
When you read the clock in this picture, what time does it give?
10:41
